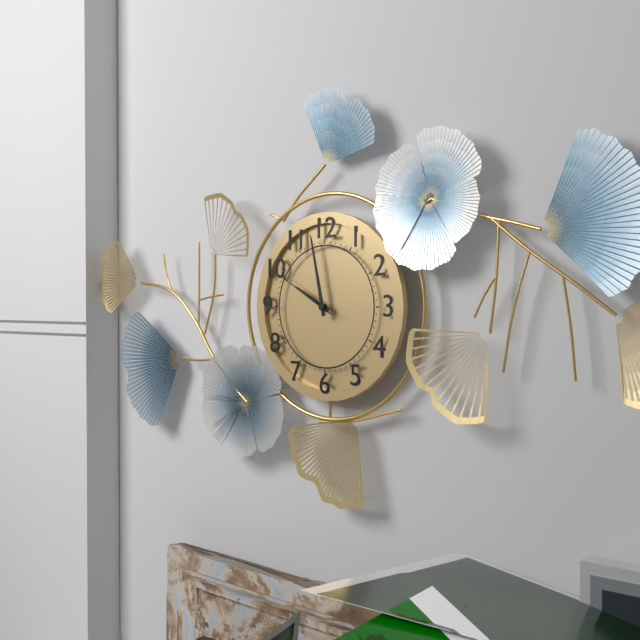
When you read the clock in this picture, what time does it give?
9:58:50
